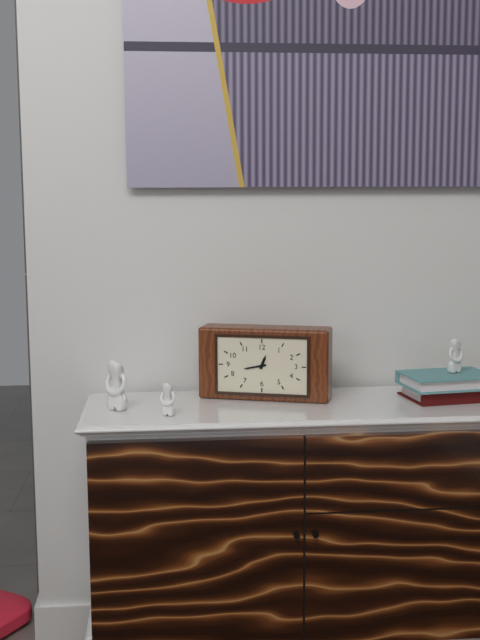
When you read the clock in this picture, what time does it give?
12:43
